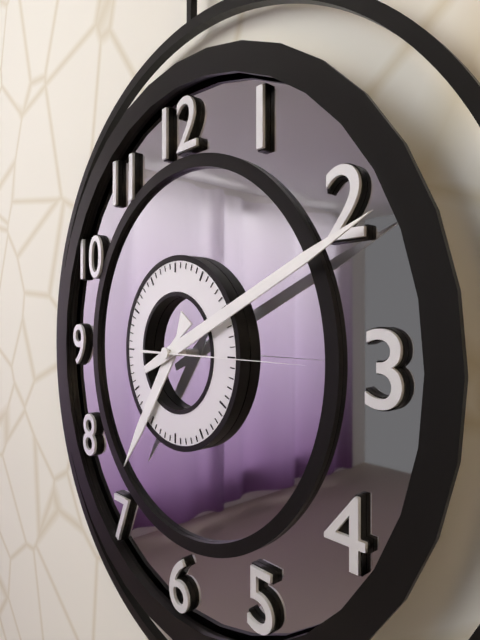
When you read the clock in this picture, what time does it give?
7:11:15
